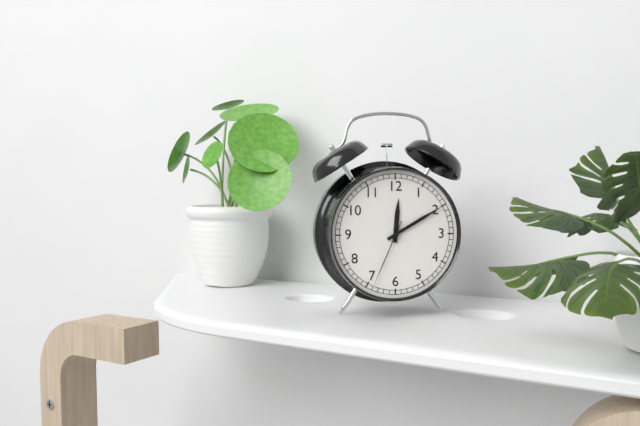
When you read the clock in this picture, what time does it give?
12:10:34
